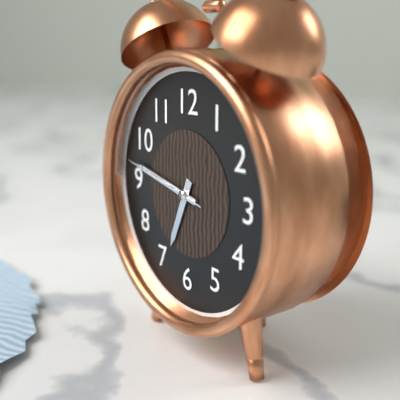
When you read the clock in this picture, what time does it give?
6:47:47
